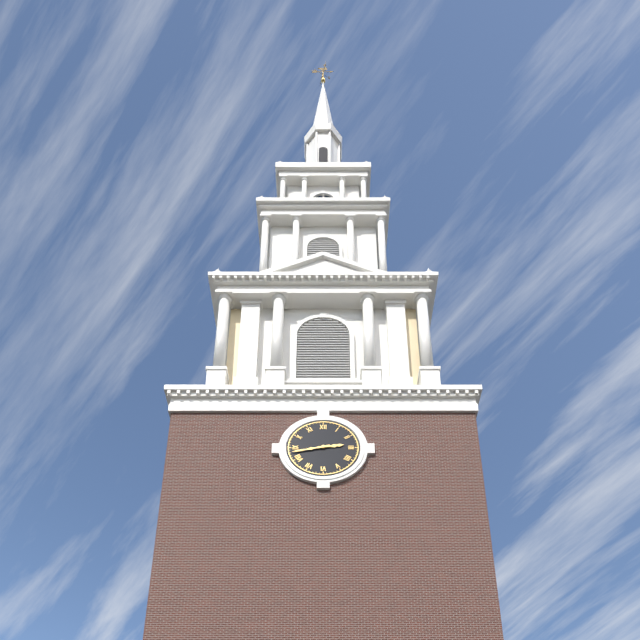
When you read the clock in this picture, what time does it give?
2:43
